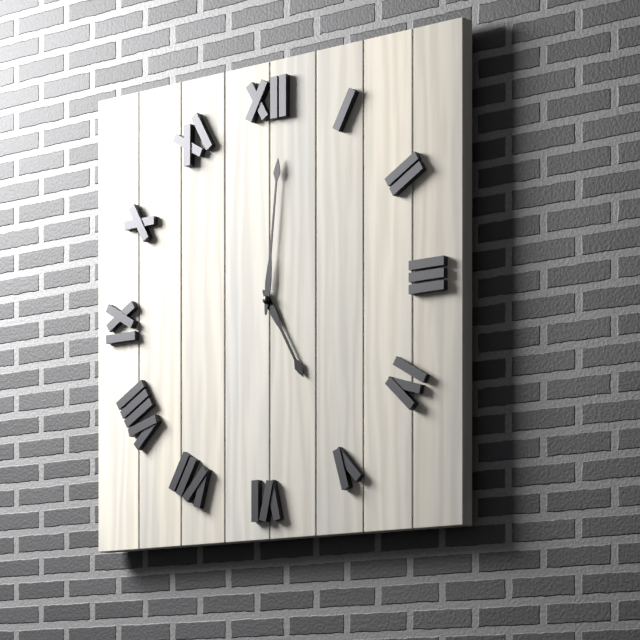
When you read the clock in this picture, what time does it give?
5:01
